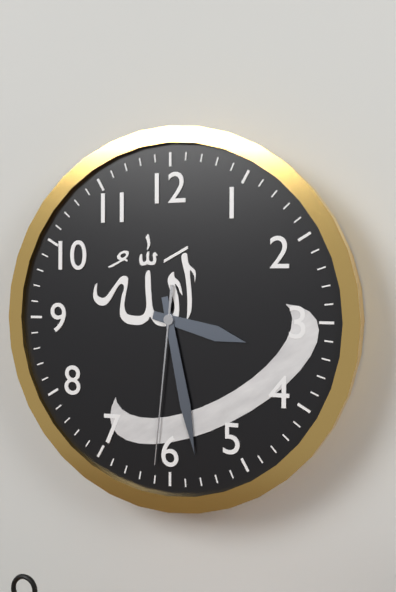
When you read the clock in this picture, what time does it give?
3:28:31
